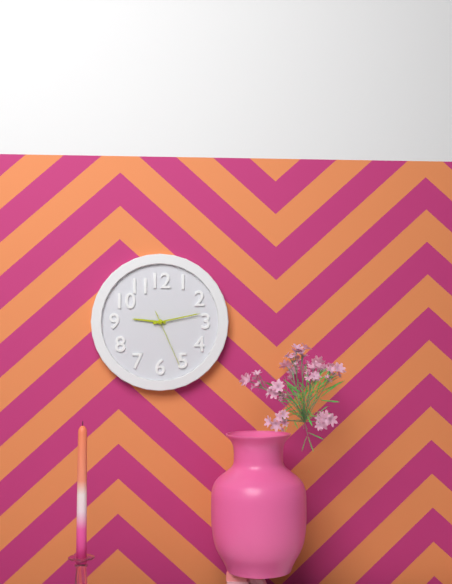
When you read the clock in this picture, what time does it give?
9:13:26
